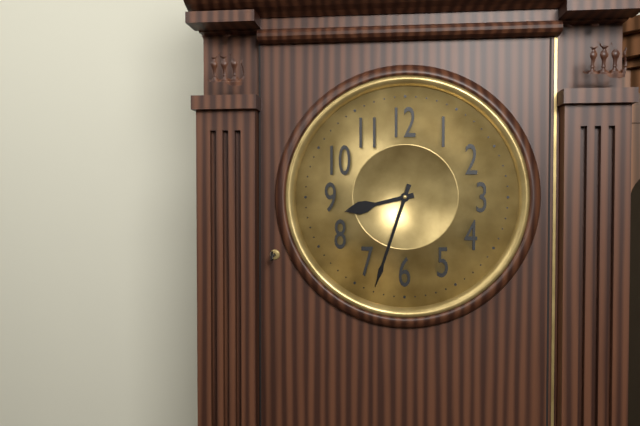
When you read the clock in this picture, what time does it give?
8:33
